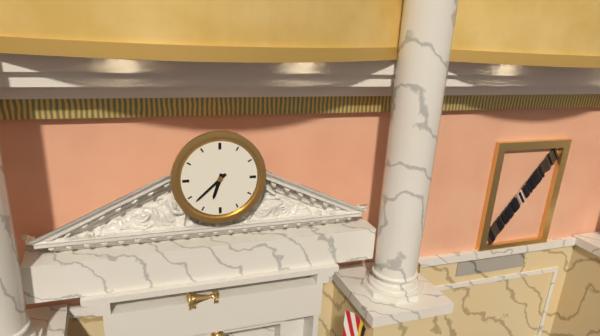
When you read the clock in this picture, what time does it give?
6:38
